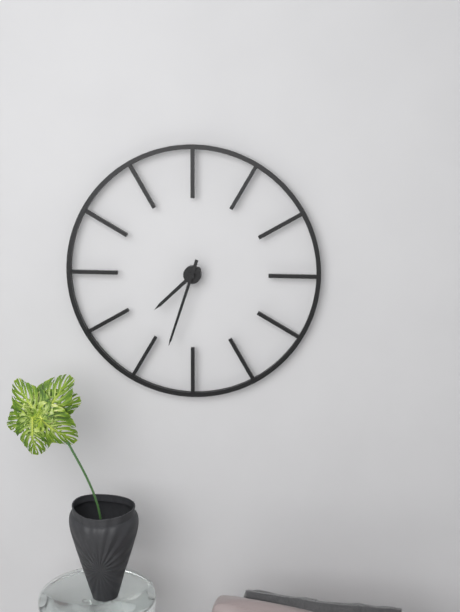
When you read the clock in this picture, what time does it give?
7:33
